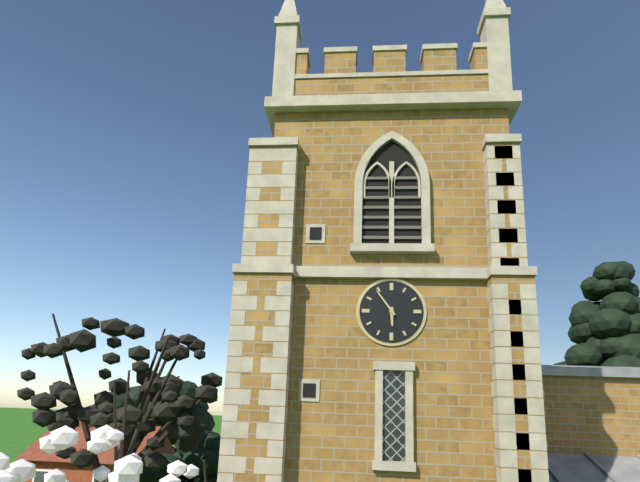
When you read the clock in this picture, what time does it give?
5:54
